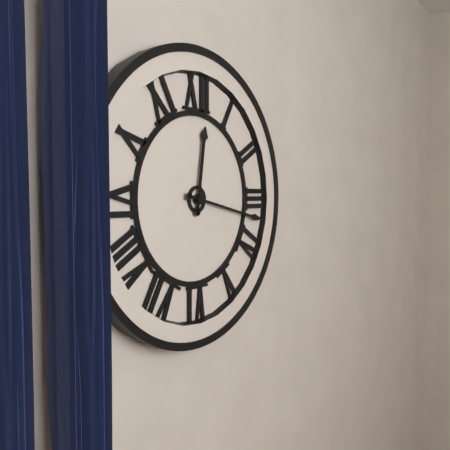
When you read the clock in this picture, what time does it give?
12:17
